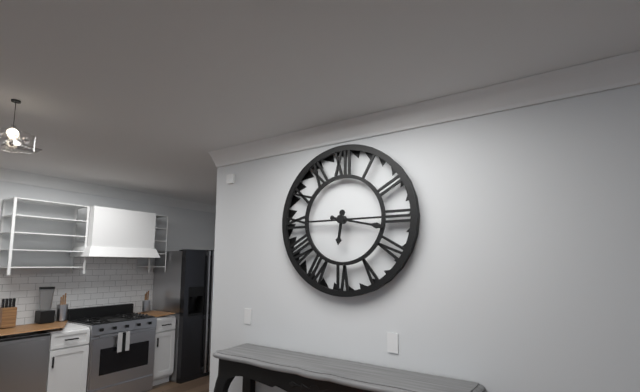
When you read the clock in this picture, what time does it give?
6:17
